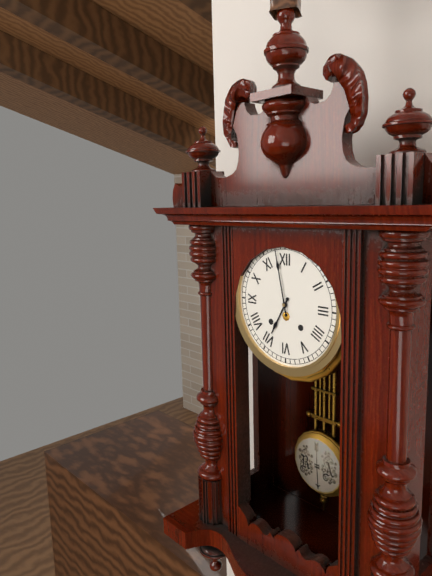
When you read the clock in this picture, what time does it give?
6:58
